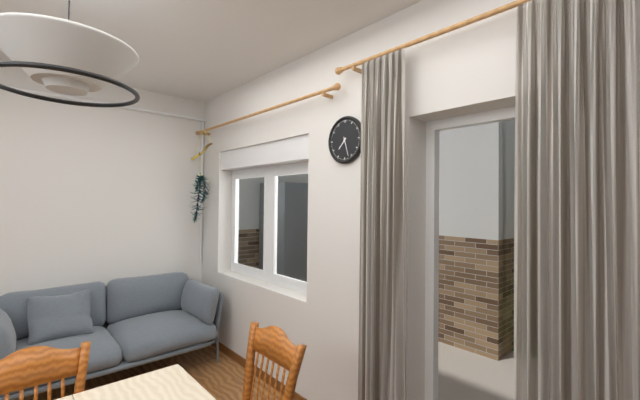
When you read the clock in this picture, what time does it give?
7:27
